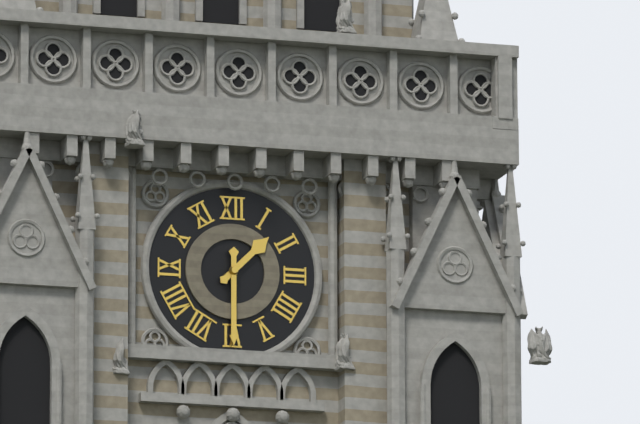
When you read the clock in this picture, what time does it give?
1:30
